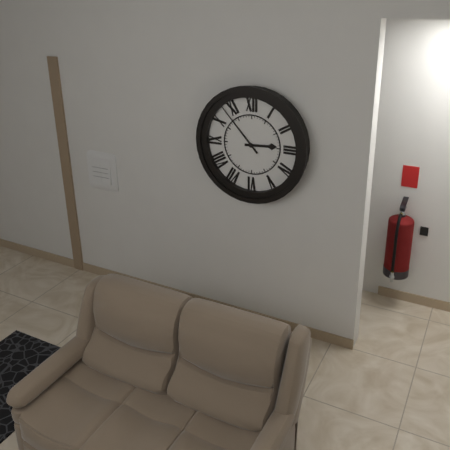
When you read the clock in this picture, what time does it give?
2:53
